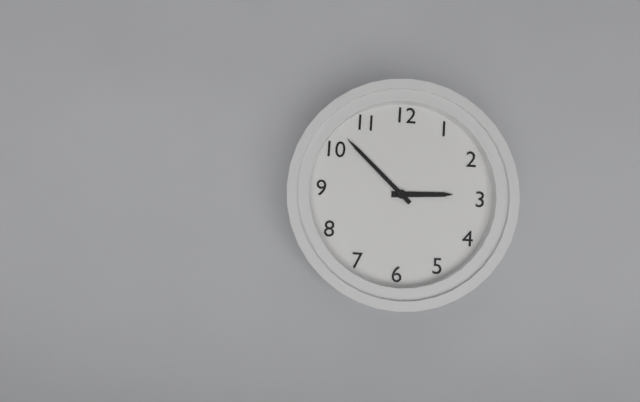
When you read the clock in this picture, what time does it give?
2:52
